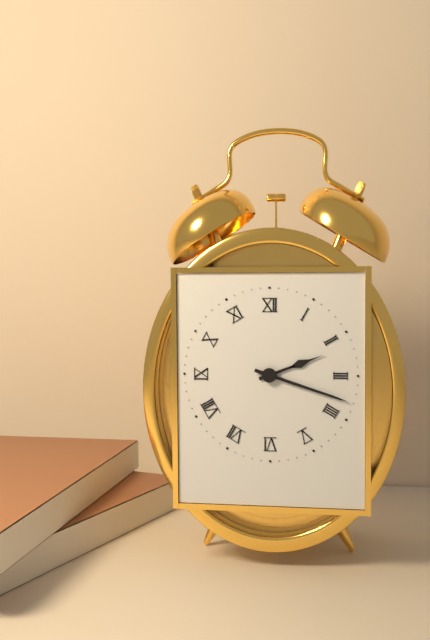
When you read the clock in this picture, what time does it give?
2:18
